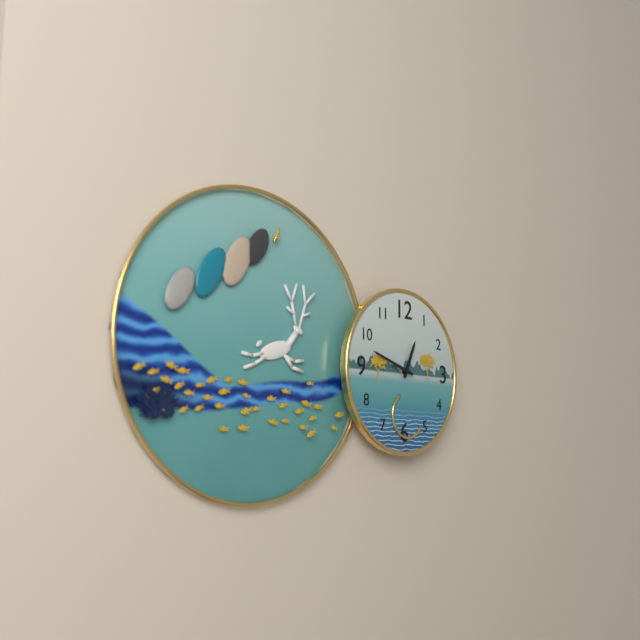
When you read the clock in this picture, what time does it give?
12:48
